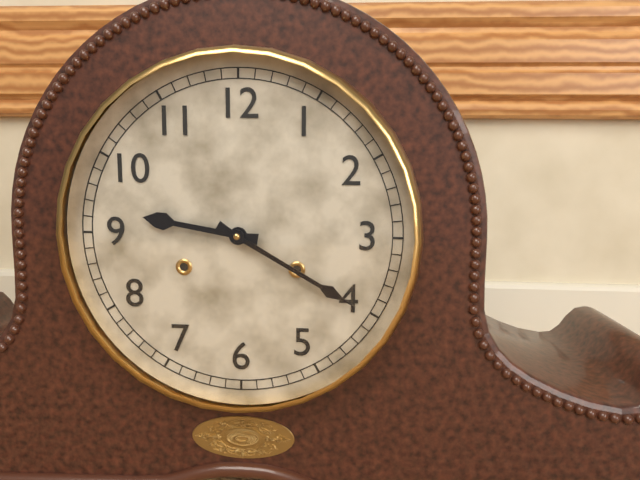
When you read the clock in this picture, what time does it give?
9:20
